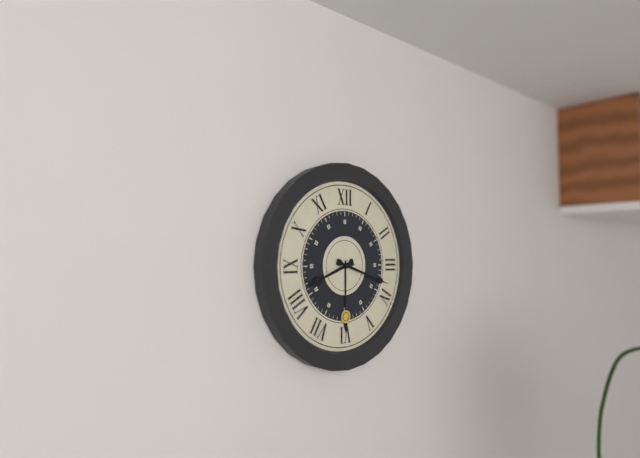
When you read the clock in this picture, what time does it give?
8:18
